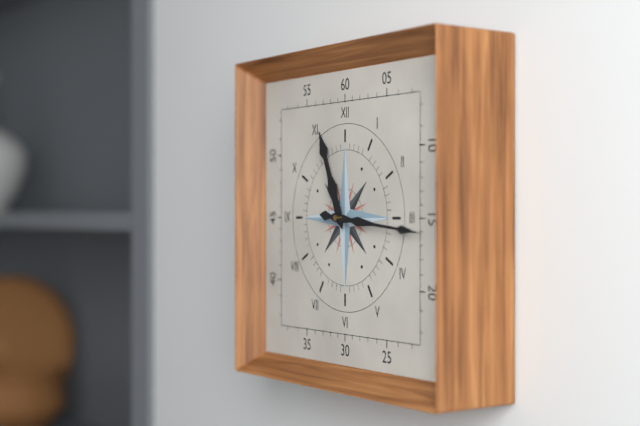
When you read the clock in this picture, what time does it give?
11:16
